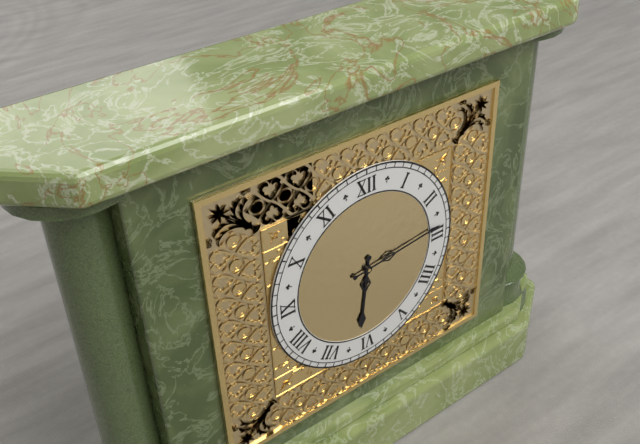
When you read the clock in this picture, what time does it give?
6:14
